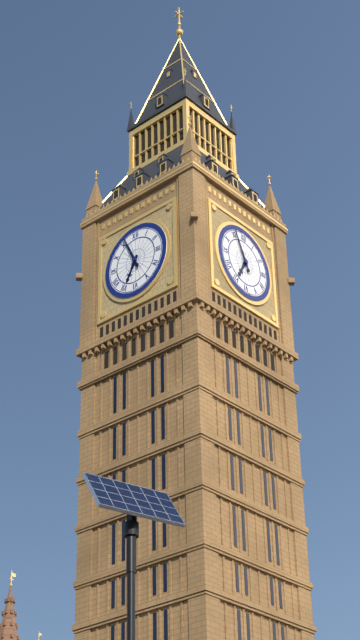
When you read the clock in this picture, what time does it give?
6:56
